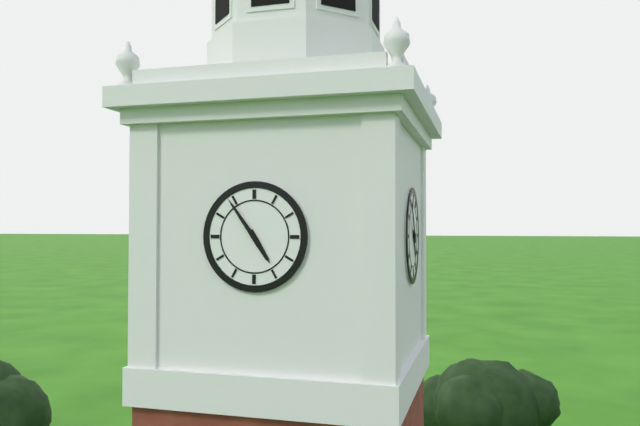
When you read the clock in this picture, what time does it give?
4:54
